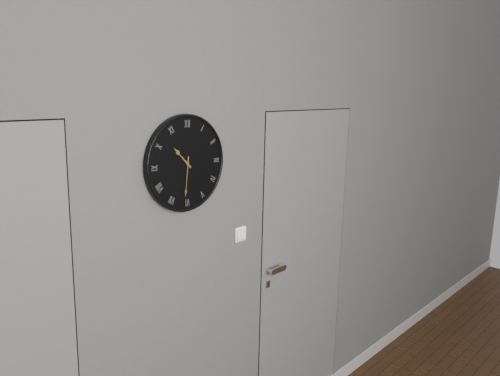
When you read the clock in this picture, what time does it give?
10:31
